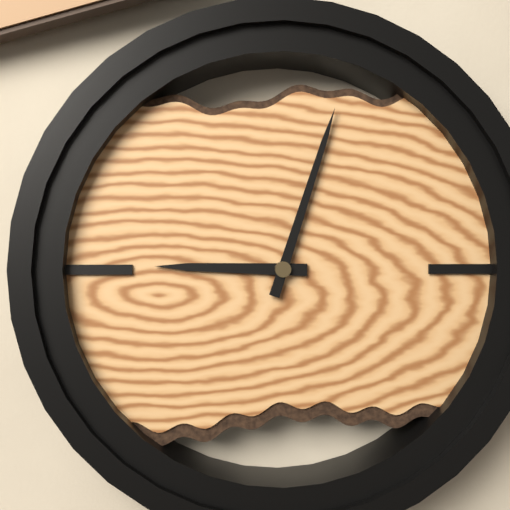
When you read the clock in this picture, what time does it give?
9:03
